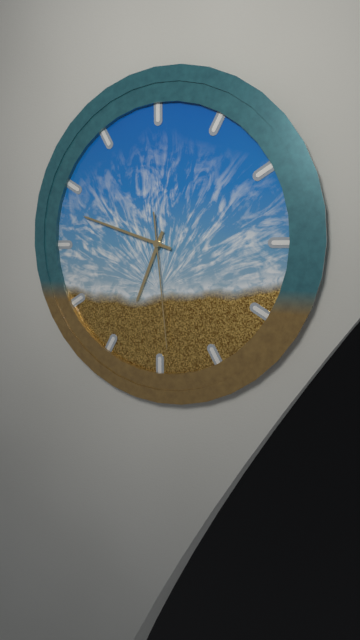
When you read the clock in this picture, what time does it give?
6:48:29
